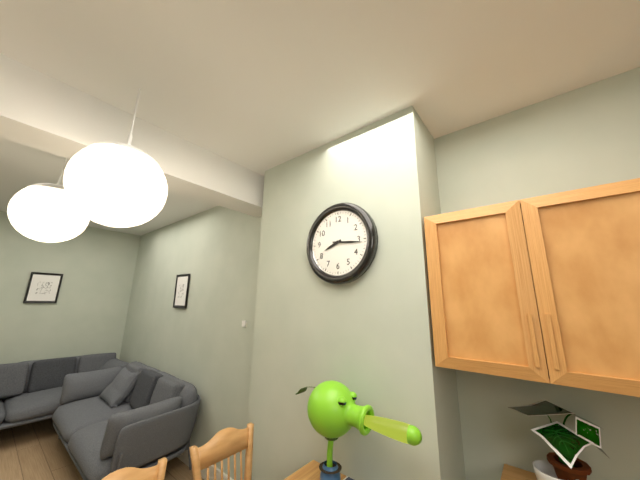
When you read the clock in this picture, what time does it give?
8:16
